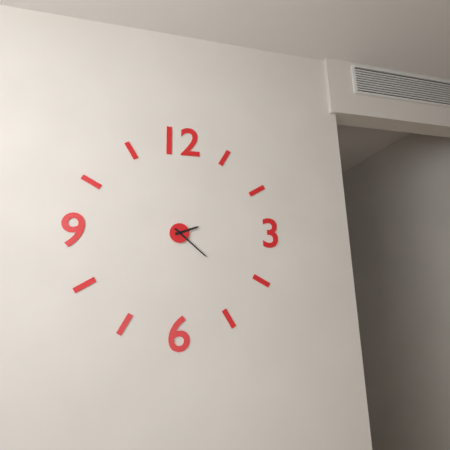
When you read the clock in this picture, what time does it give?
2:22
